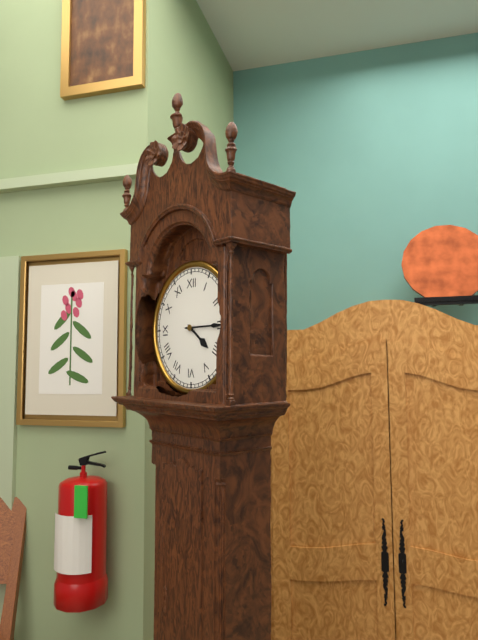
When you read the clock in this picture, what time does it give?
4:15
